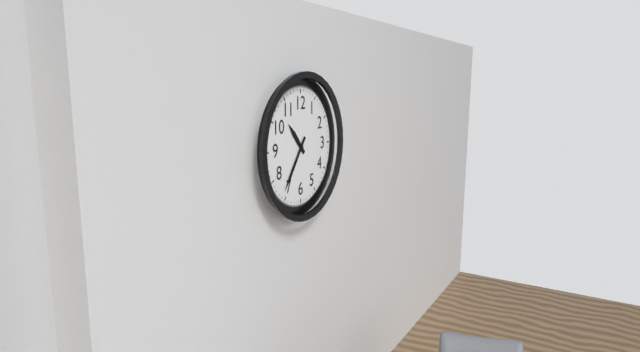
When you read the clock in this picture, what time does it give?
10:36
